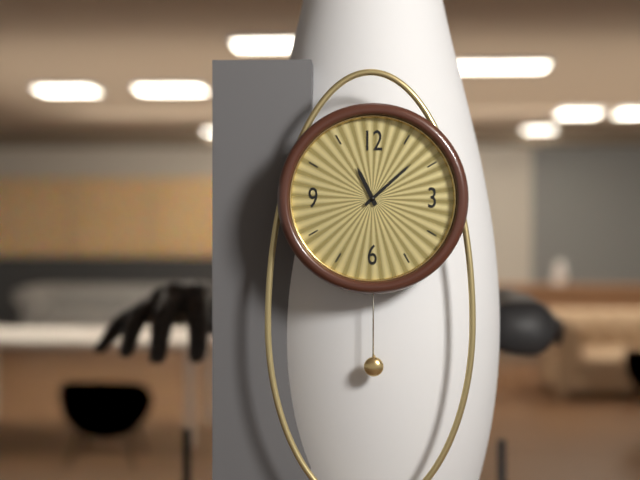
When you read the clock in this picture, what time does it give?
11:08
